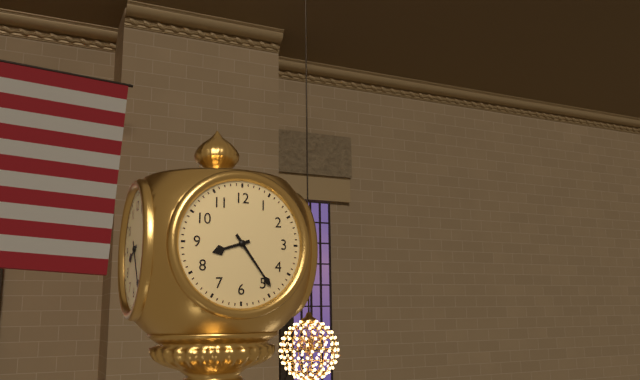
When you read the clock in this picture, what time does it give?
8:24
